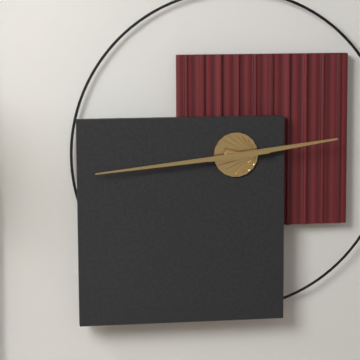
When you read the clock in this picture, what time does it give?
2:44
